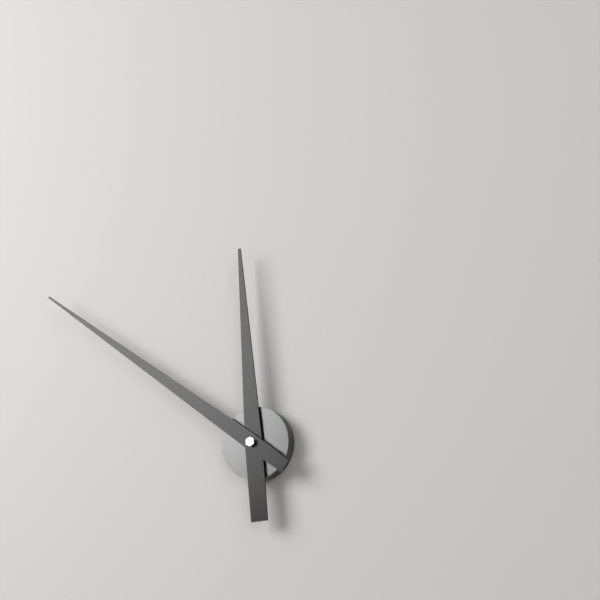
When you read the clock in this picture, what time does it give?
11:51
